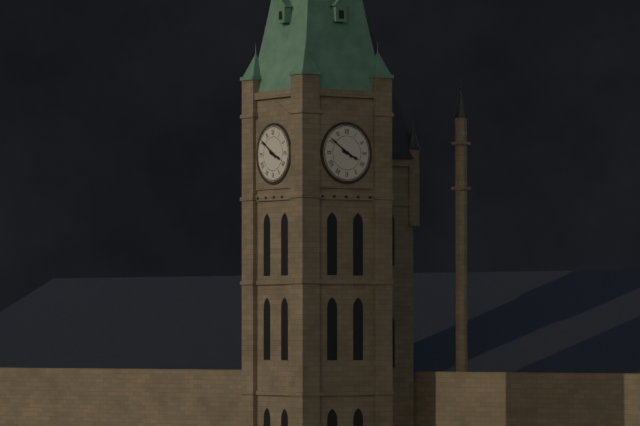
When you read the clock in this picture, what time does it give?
3:51
